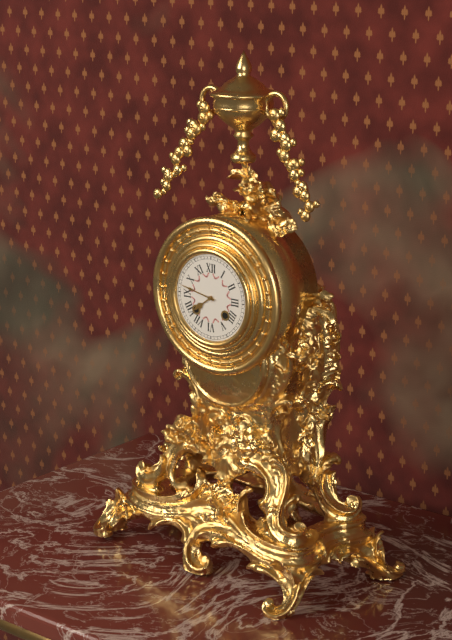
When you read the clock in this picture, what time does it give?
7:47
